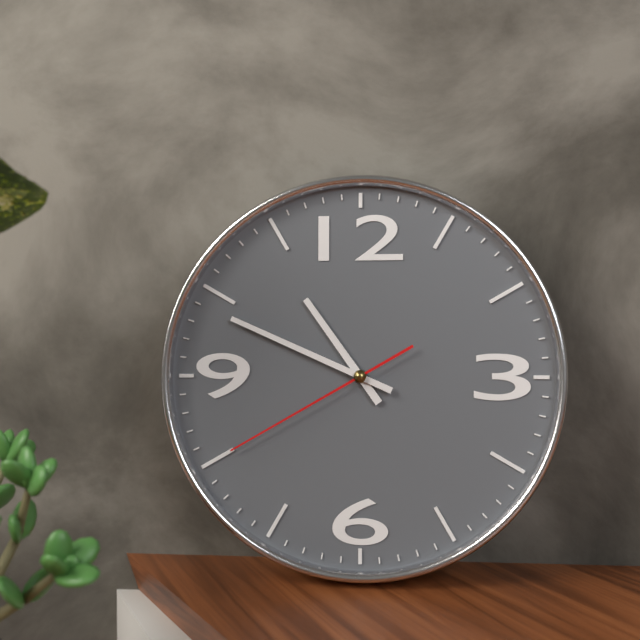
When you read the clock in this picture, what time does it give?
10:49:40
